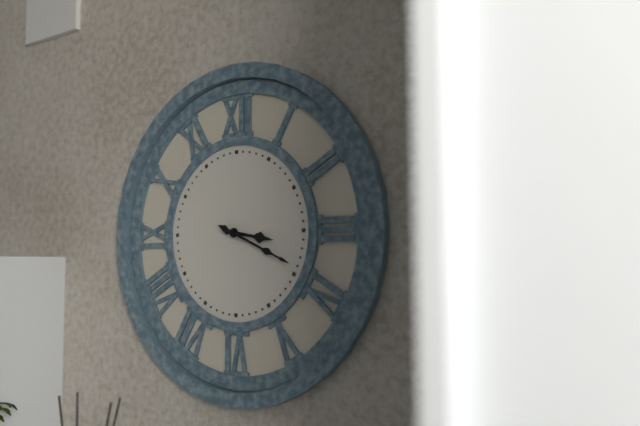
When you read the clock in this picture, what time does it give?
3:19
